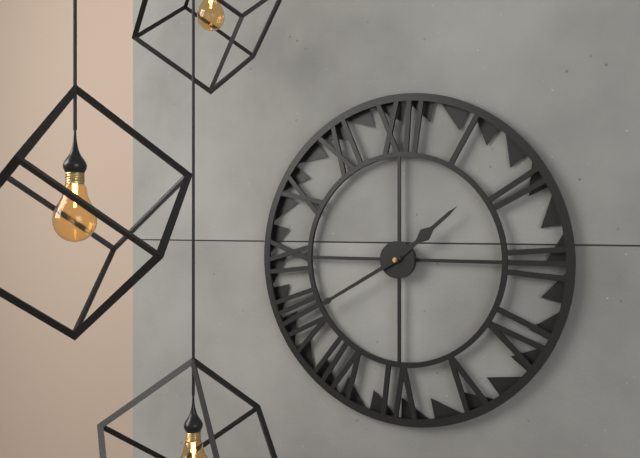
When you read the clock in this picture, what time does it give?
1:40
